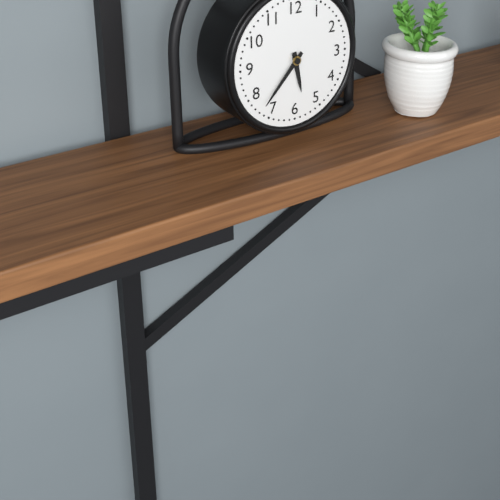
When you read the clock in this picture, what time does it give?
5:37
